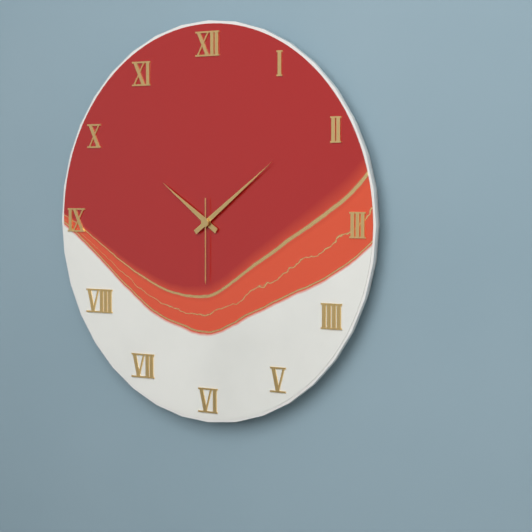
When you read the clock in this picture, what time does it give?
10:09:30
